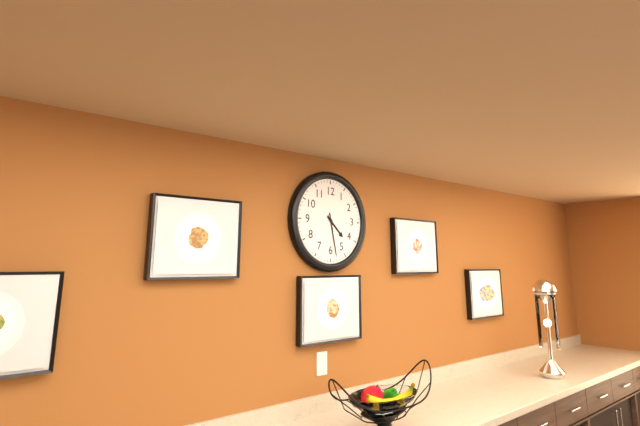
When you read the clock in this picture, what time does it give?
4:28
